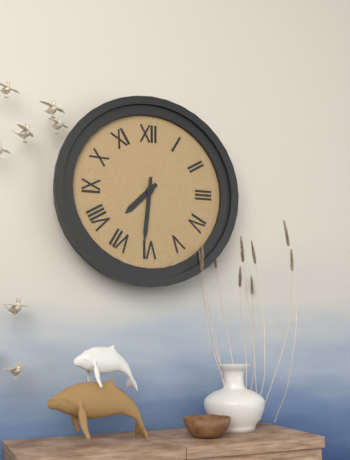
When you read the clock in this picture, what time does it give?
7:31
